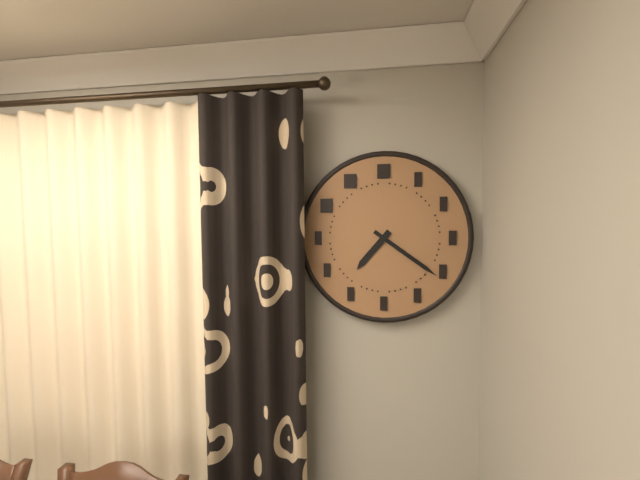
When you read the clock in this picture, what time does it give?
7:21
